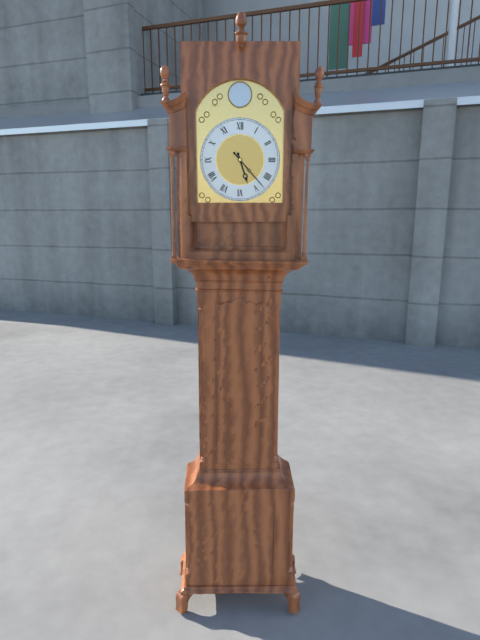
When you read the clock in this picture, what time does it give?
5:23
